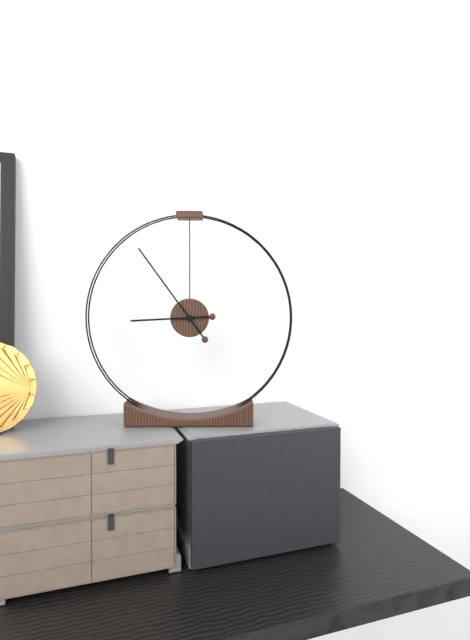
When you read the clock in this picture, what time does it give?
8:54
